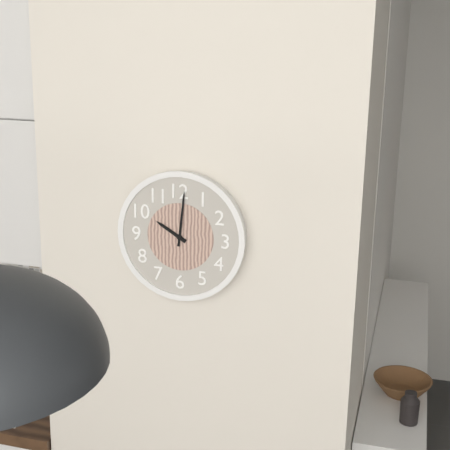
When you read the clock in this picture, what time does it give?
10:01
